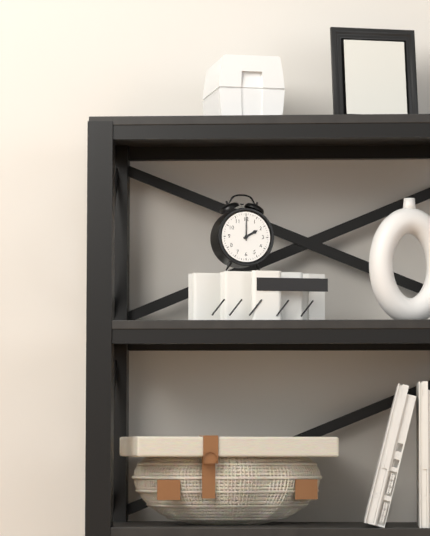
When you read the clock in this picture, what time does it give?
2:00
